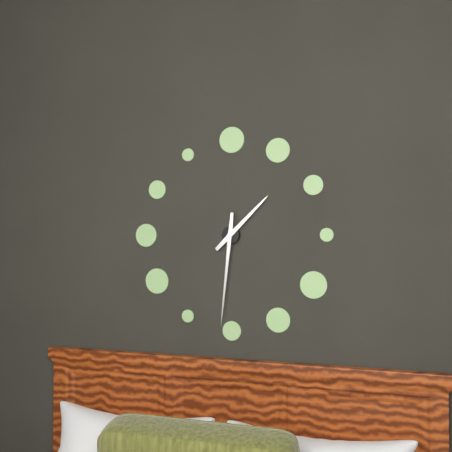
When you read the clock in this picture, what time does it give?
1:31
